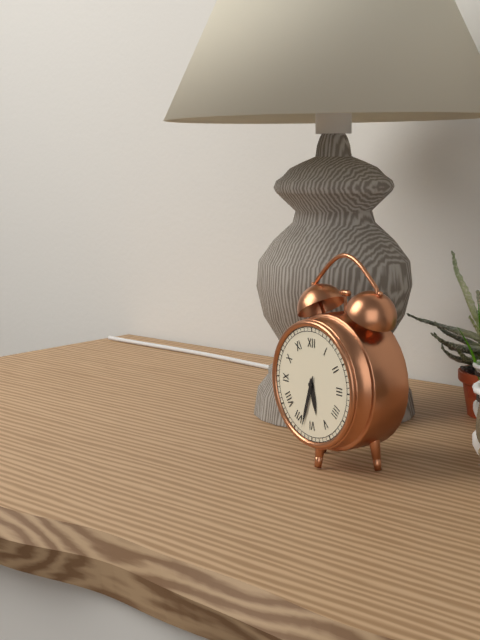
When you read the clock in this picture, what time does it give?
5:33
